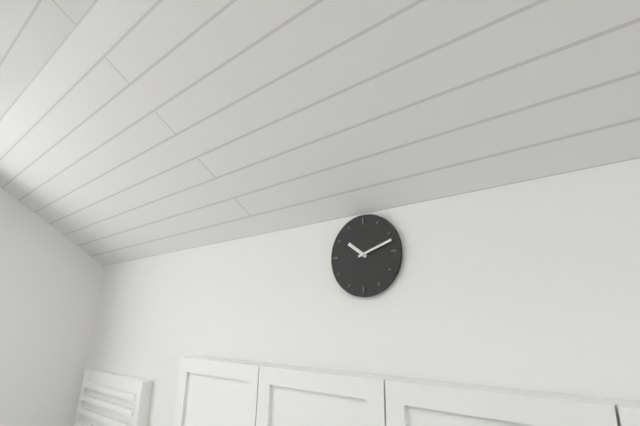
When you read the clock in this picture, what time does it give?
10:12
